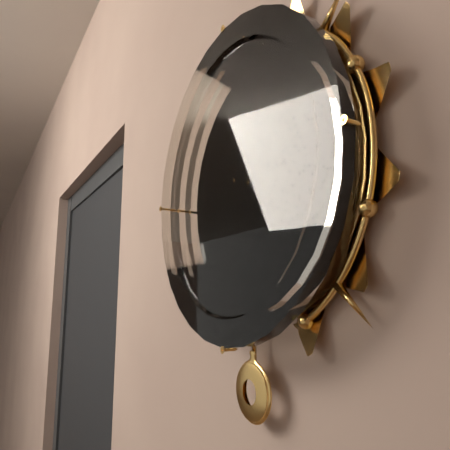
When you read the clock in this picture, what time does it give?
6:58
